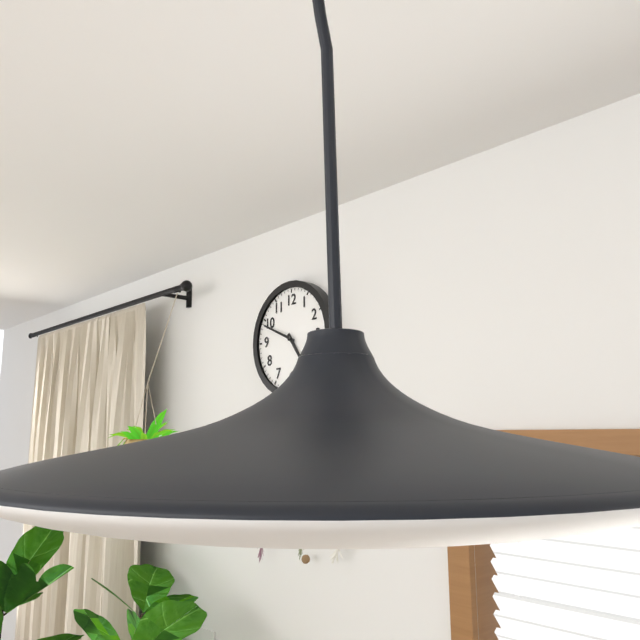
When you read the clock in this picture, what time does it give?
4:49
